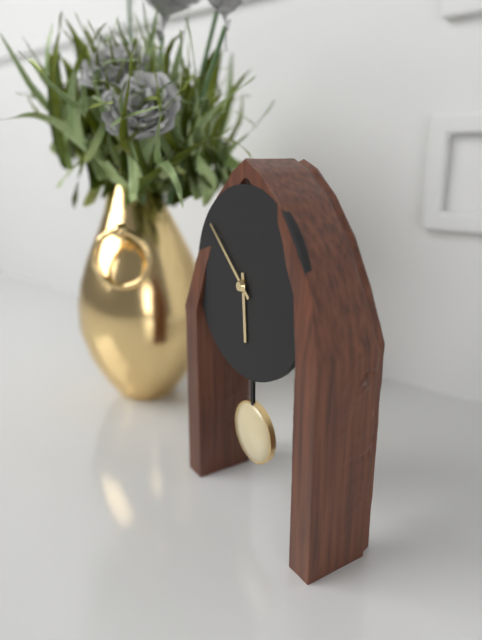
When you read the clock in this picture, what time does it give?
5:52
